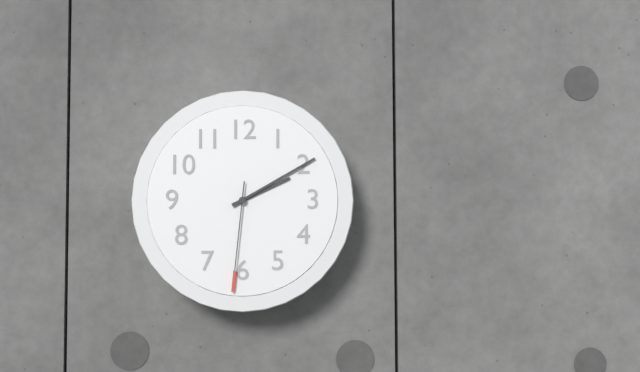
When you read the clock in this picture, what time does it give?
2:10:31
